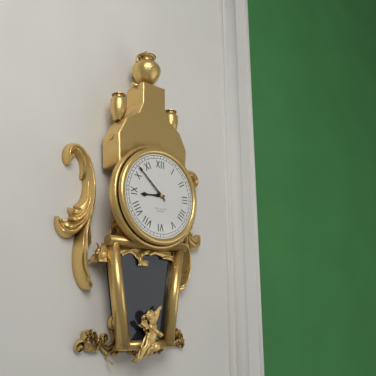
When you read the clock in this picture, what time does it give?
8:52
